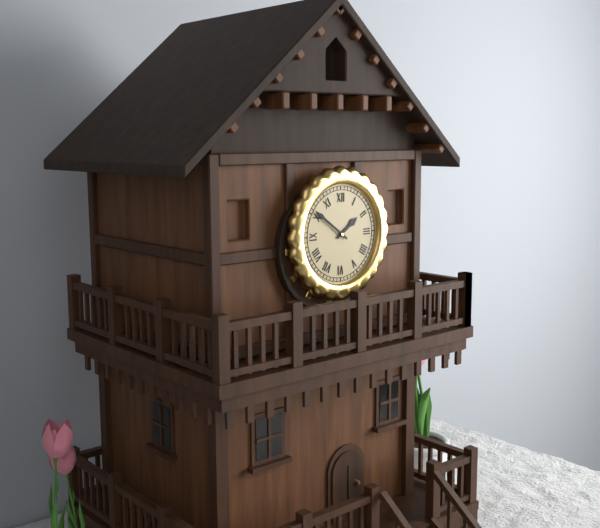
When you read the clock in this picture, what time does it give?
1:51
